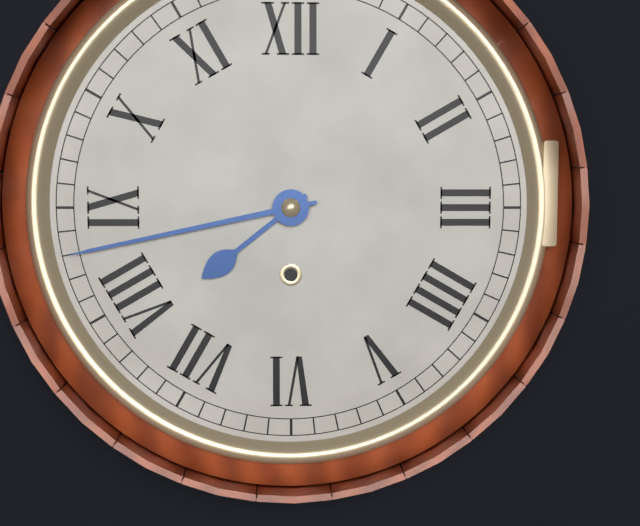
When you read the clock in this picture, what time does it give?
7:43
